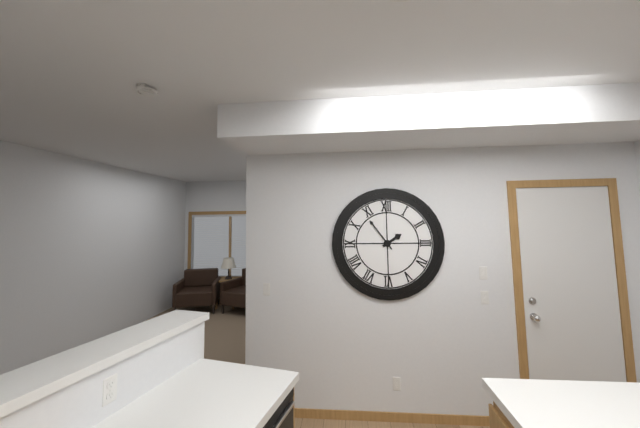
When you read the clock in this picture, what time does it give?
1:54
